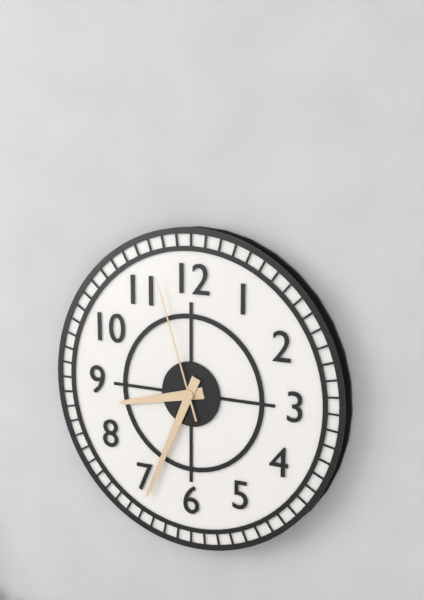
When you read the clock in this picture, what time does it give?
8:34:57
